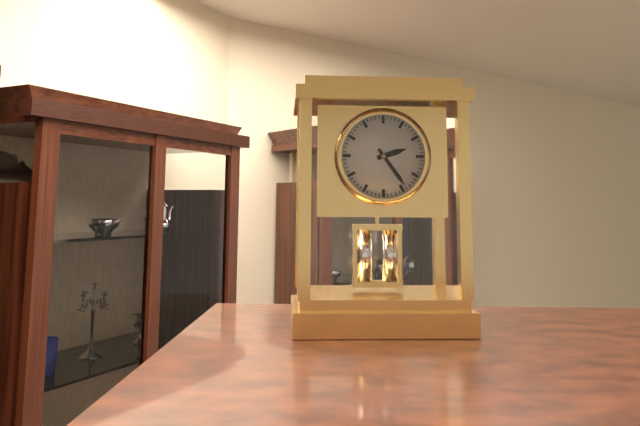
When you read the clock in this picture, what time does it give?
2:24
